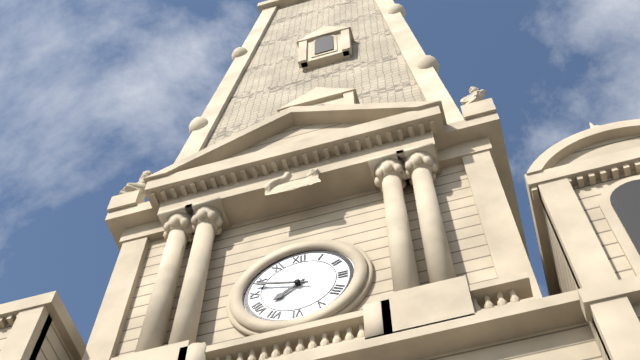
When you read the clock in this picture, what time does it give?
7:48
